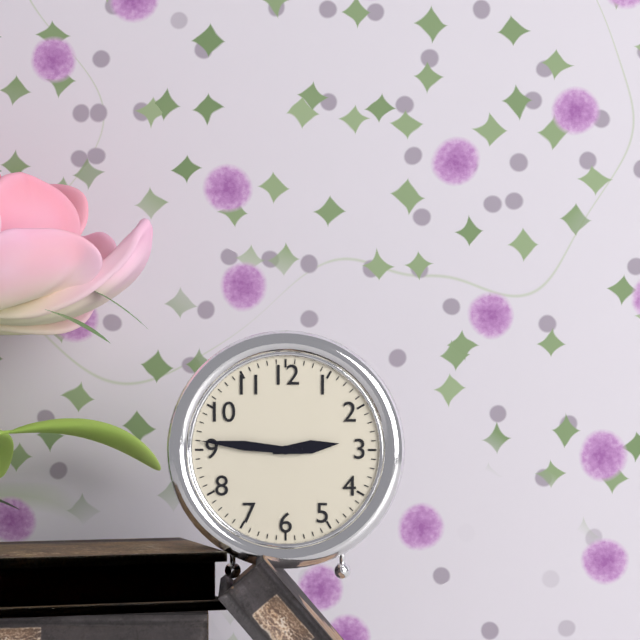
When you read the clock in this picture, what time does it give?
2:46
